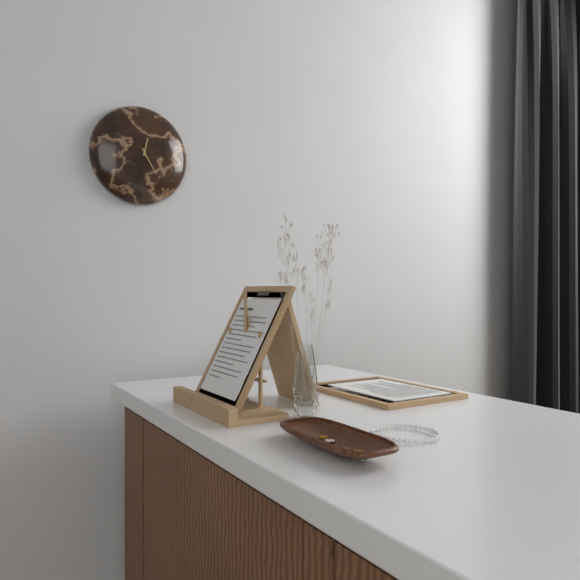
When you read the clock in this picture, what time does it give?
12:25
